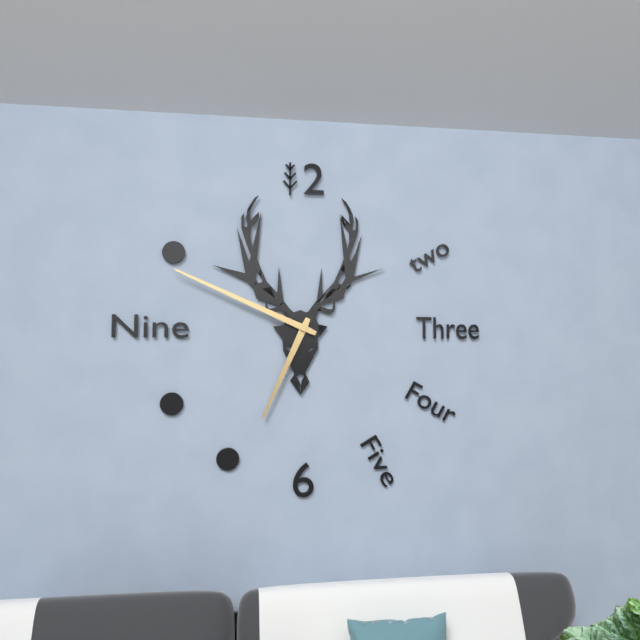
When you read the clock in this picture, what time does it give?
6:49
